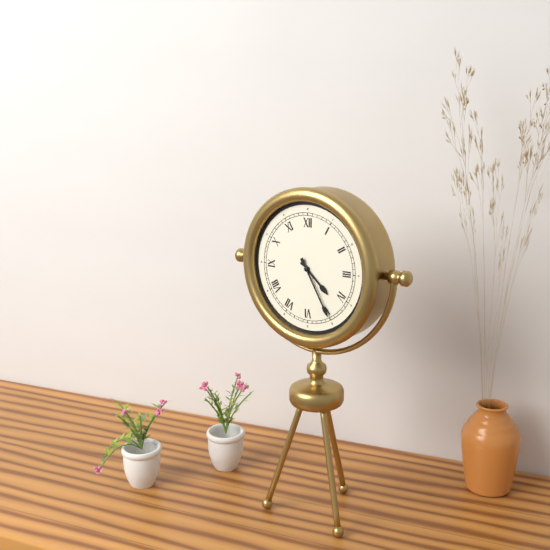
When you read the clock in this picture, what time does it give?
4:25
